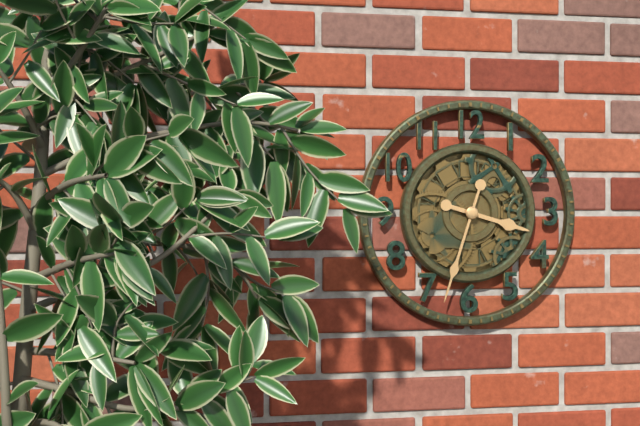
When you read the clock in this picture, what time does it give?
3:33
